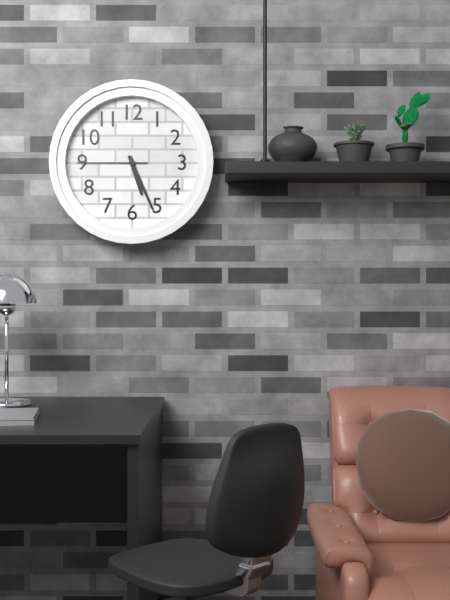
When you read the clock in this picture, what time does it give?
5:26:45
